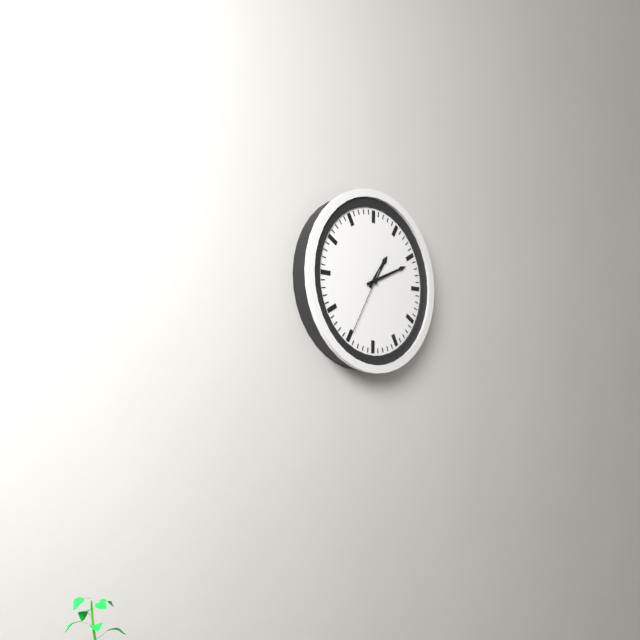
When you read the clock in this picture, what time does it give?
1:11:35
